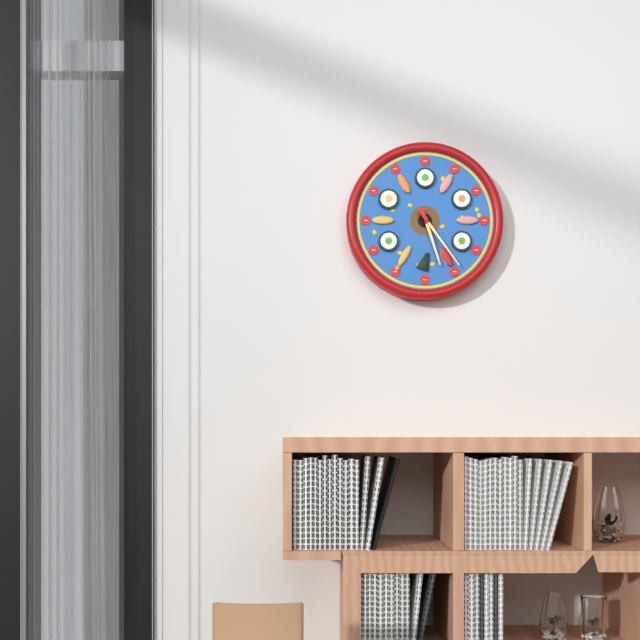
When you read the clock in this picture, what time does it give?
5:24
